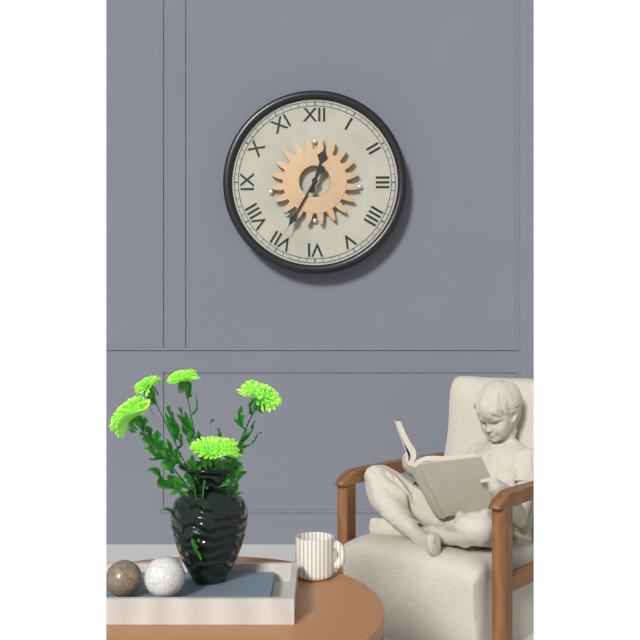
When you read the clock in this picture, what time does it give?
12:35
